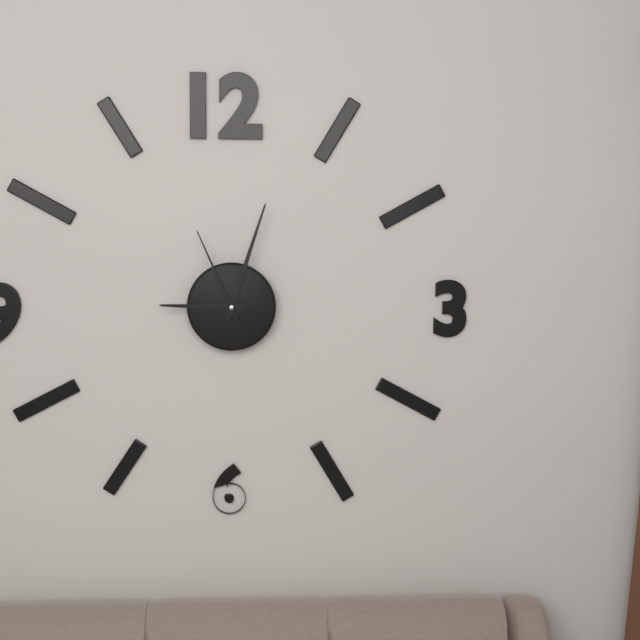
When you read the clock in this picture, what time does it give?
9:03:56
